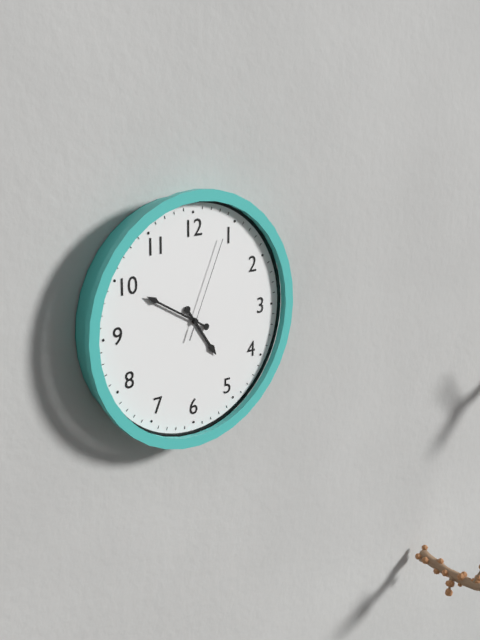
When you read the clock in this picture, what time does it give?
4:50:04
